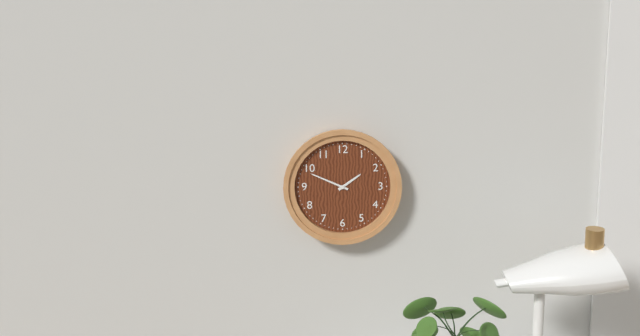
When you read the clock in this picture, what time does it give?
1:49
